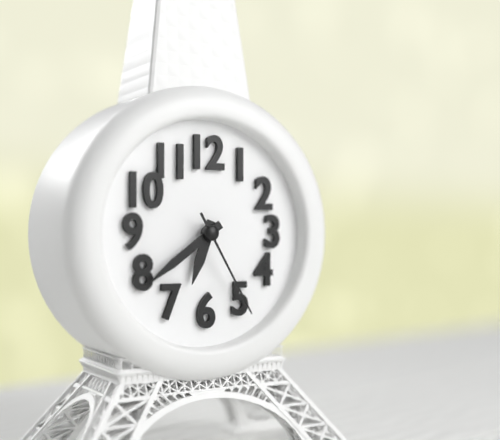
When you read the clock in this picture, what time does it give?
6:39:25
